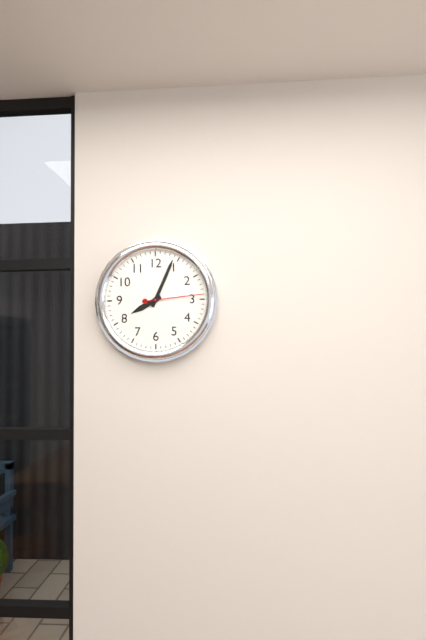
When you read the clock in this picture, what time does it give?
8:04:14
